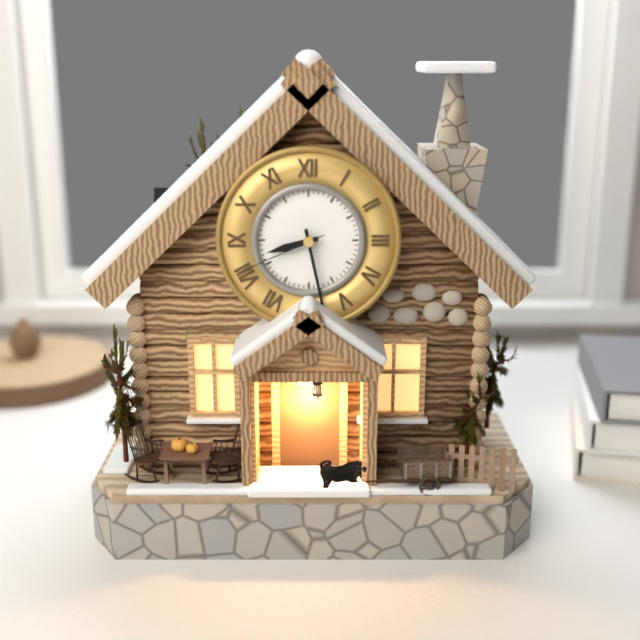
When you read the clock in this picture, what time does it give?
8:28:41
